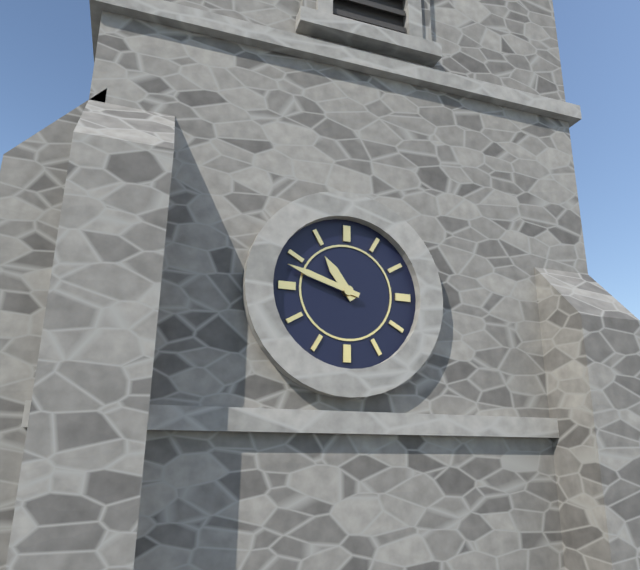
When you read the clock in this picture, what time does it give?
10:48
